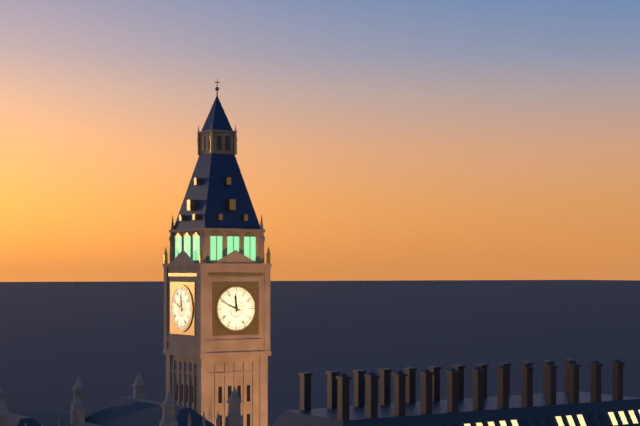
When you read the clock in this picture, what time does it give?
11:49
